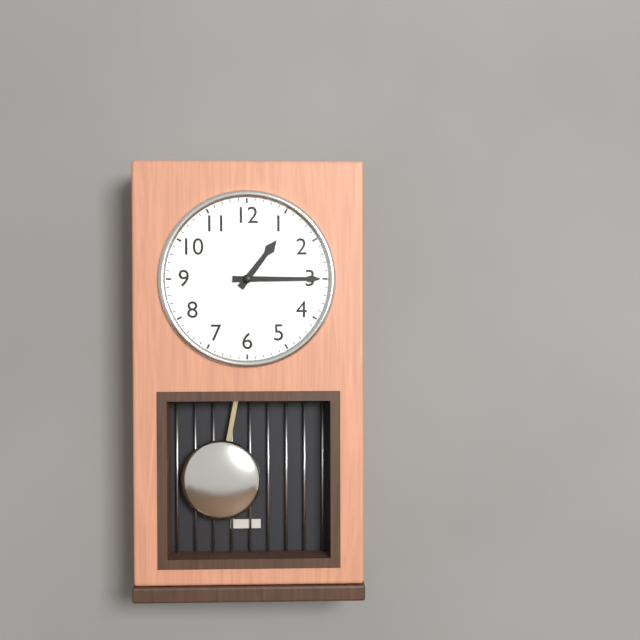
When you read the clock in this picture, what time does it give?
1:15
